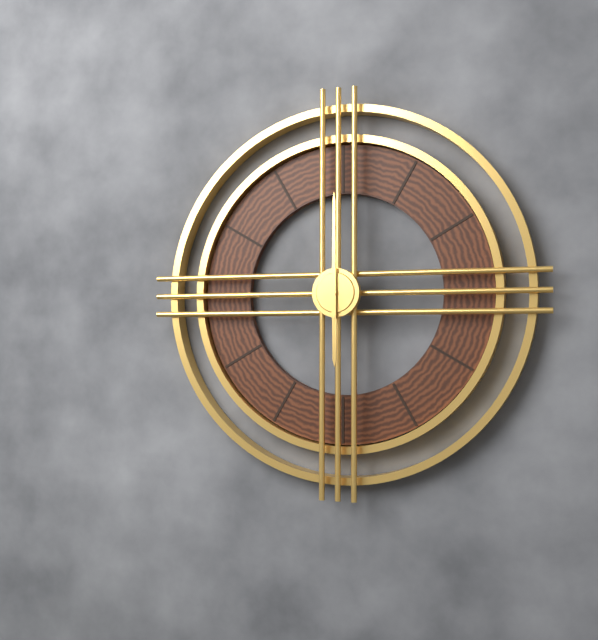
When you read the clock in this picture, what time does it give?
6:00
